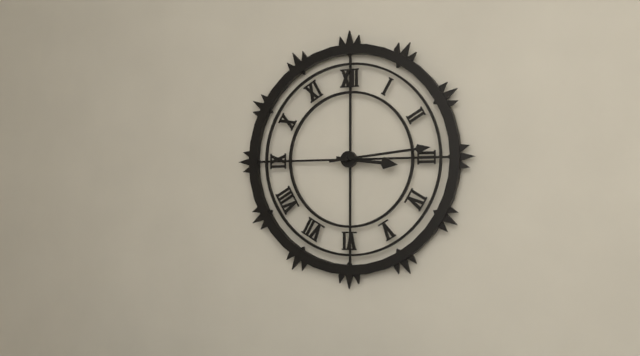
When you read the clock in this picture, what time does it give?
3:14
